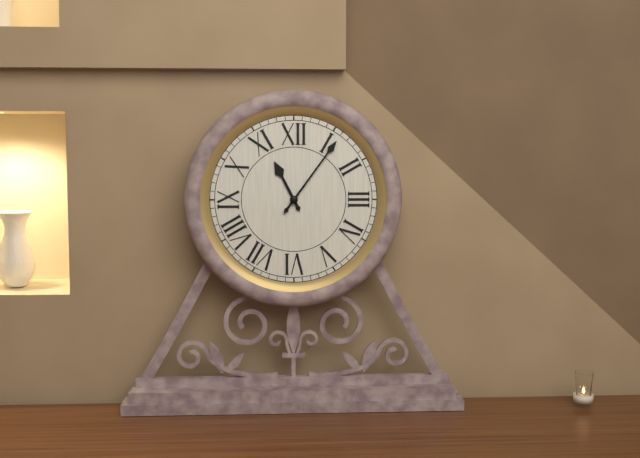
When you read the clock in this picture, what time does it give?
11:06
